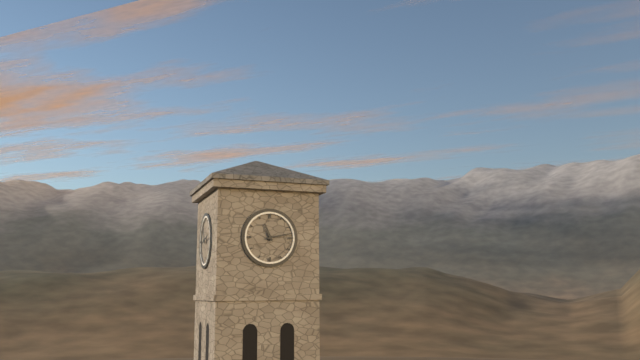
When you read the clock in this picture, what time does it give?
11:13
